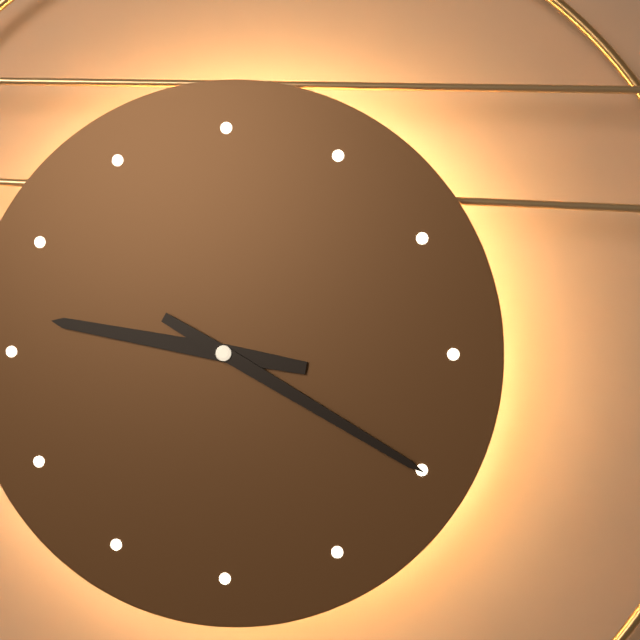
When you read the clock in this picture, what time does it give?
9:20
